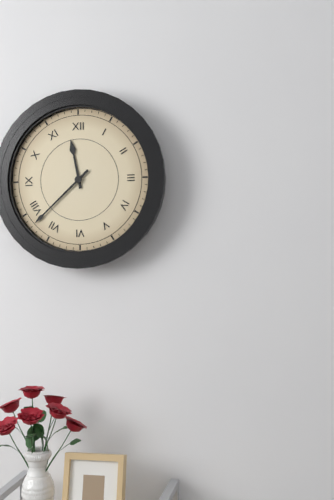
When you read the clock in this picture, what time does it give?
11:38
